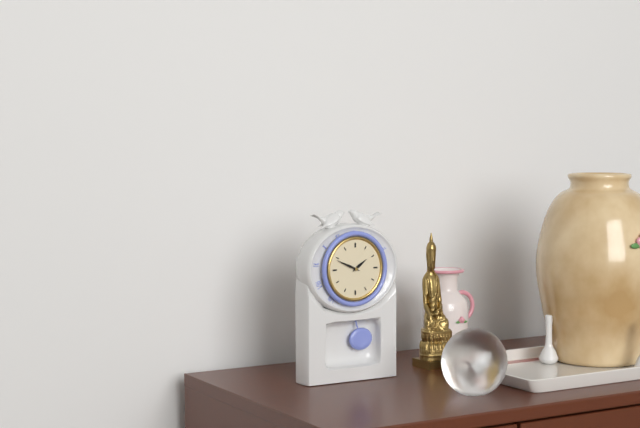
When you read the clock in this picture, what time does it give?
1:49
